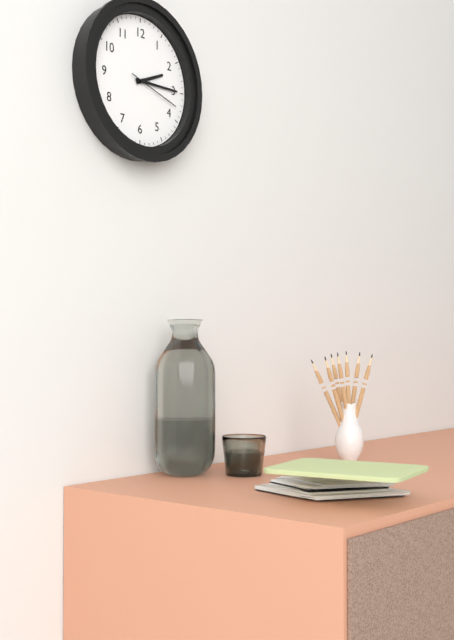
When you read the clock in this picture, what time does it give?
2:15:18
